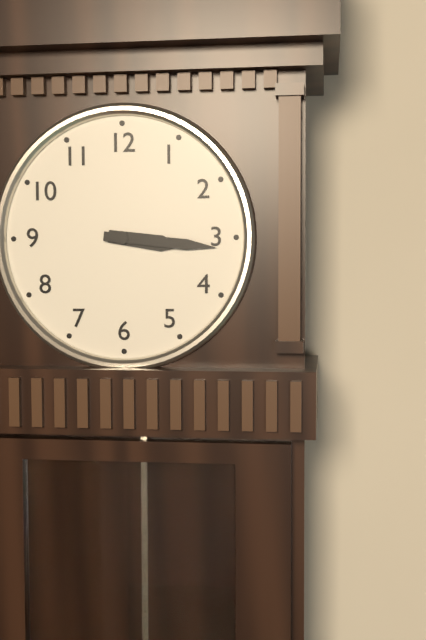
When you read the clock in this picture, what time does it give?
3:16
